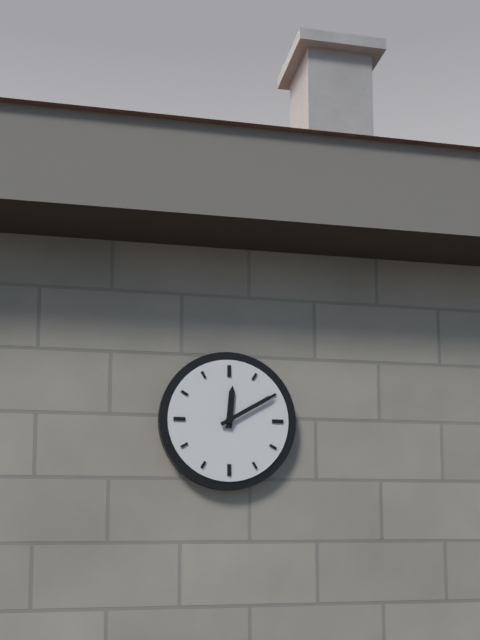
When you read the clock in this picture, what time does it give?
12:10
